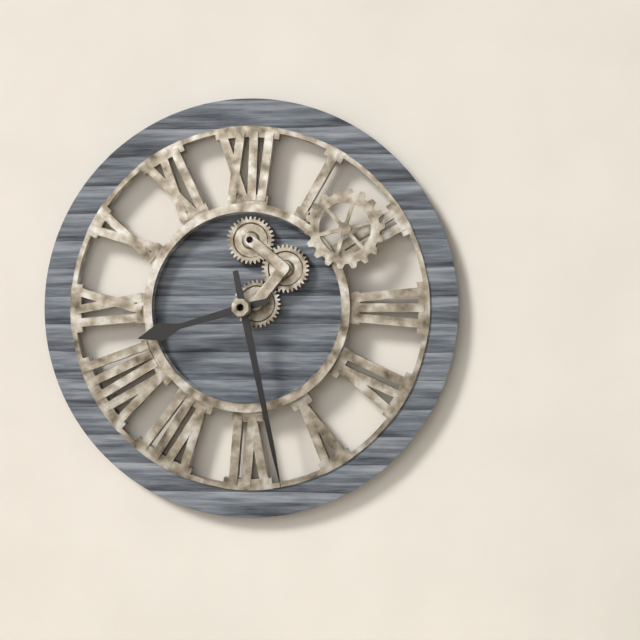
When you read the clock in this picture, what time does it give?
8:28
